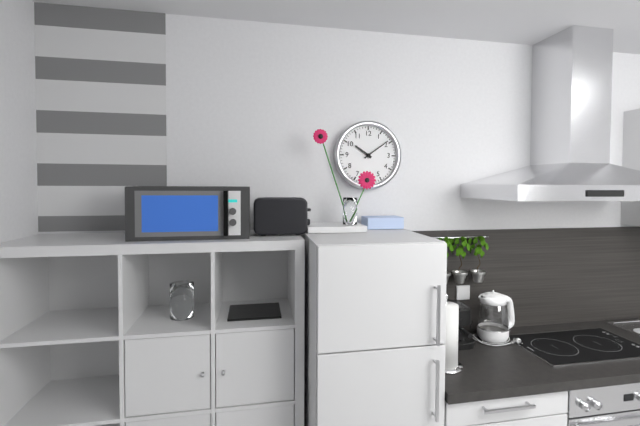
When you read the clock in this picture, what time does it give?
10:09
